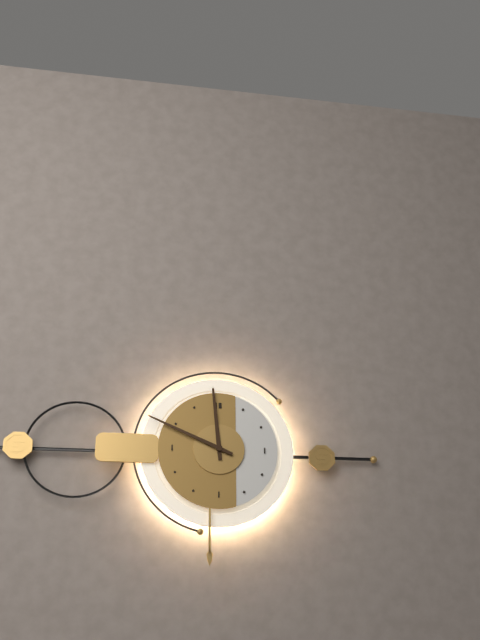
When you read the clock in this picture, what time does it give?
11:49
